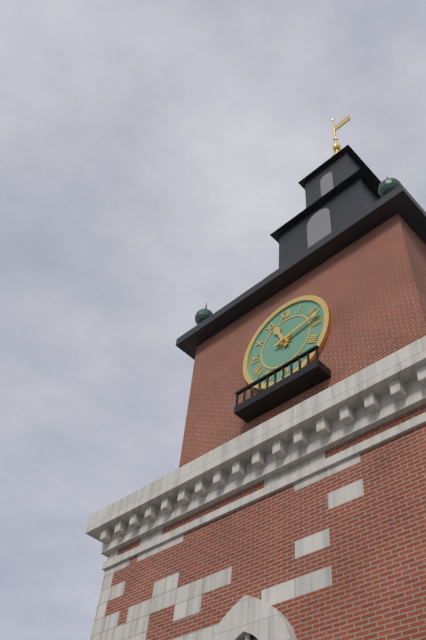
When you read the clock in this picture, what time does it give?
11:13
